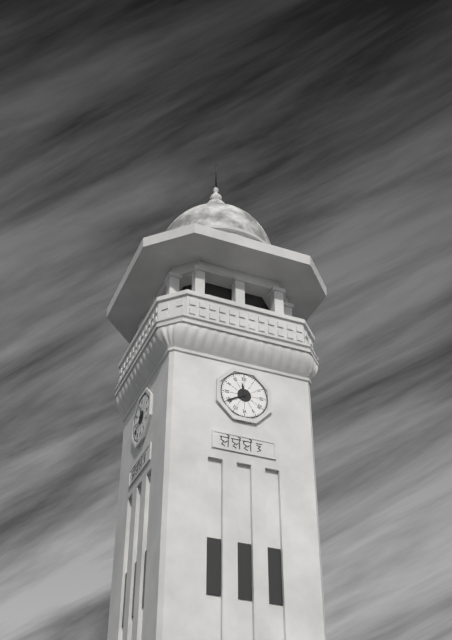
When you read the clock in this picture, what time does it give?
11:40
